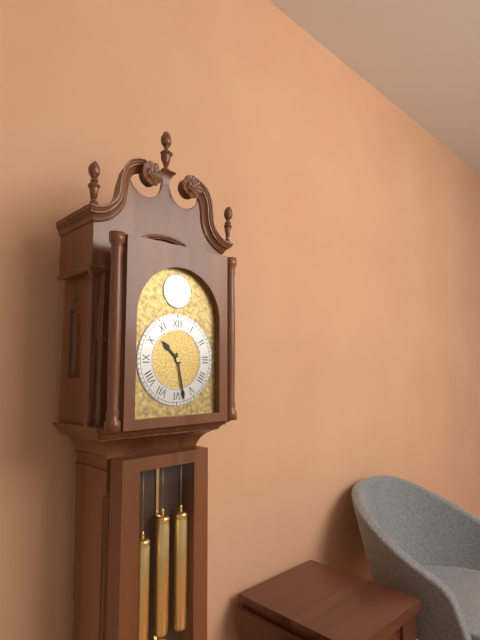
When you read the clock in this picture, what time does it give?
10:28
